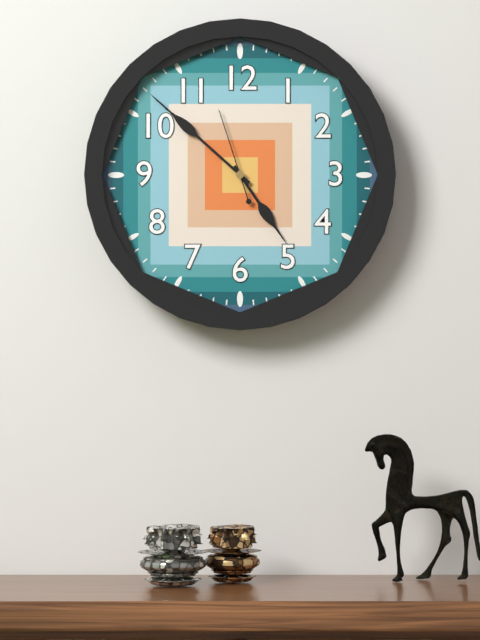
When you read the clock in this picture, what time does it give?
4:52:57
